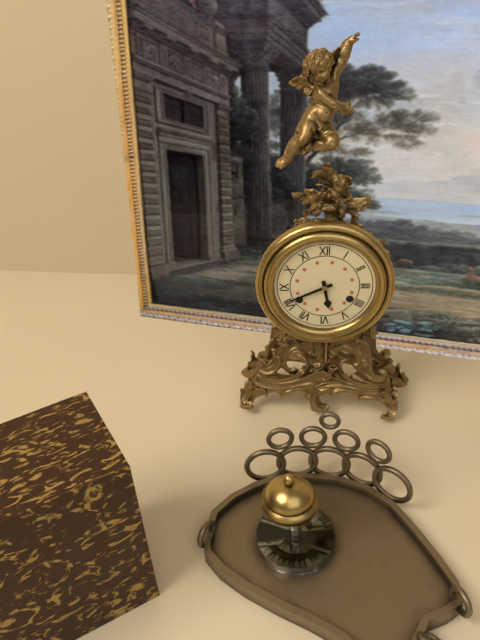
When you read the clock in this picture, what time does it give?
5:41
